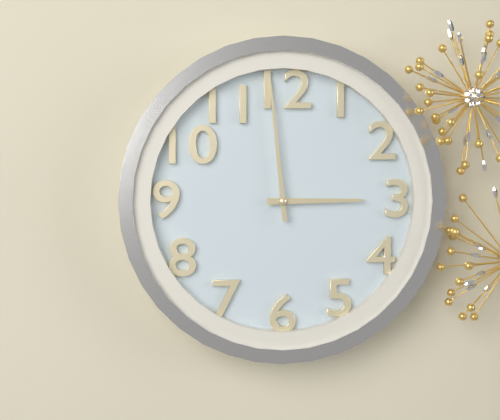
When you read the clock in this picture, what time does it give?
2:59
